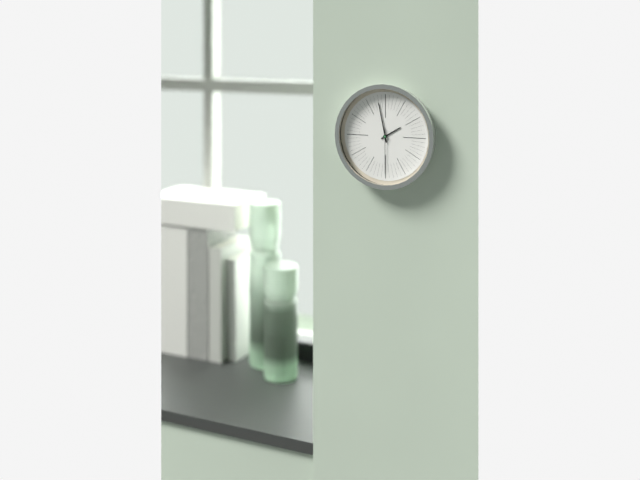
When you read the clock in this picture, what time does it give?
1:58
